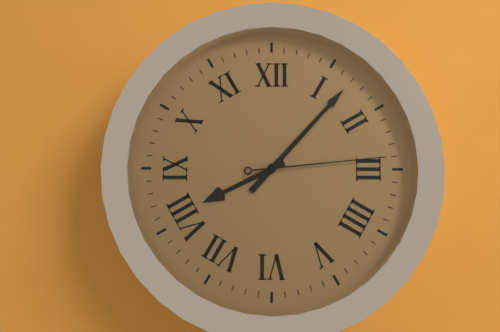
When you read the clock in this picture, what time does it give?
8:07:14
